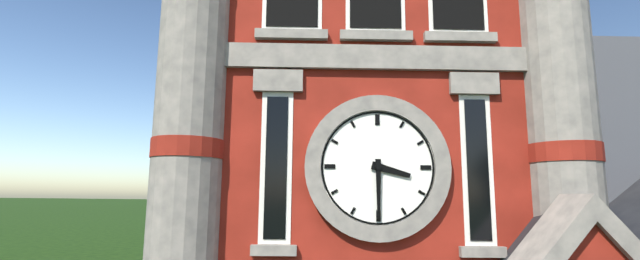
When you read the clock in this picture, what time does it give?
3:30
